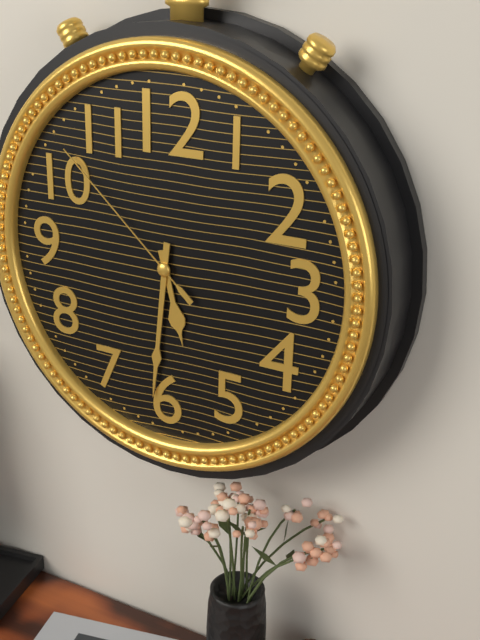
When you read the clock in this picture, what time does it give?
5:31:52
